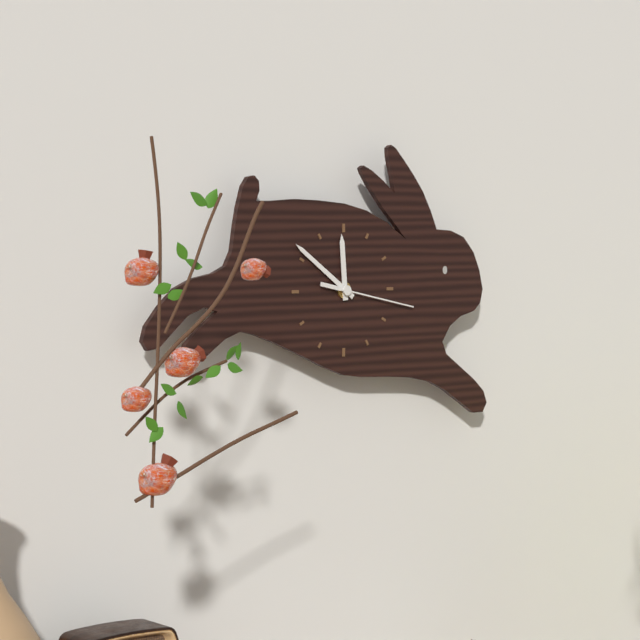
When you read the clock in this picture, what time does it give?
11:51:17
